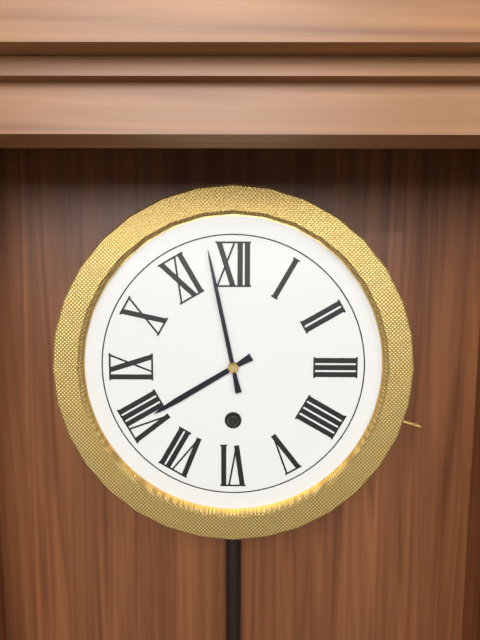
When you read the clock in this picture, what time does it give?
7:58
